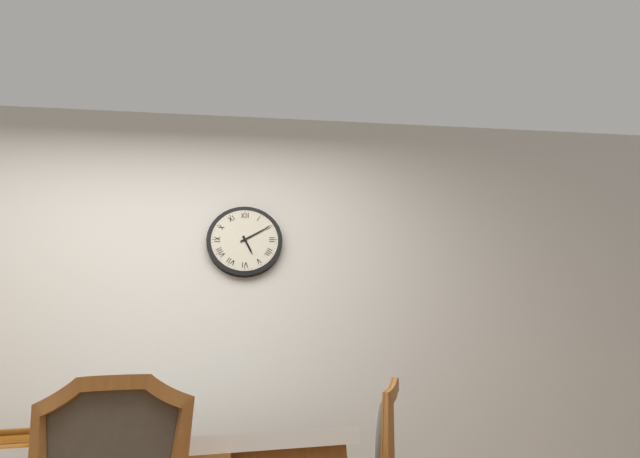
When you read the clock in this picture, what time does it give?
5:10
